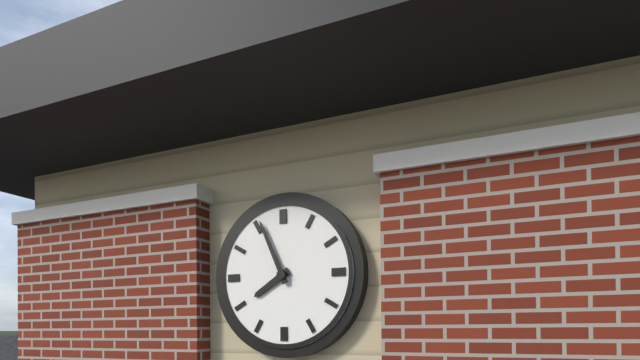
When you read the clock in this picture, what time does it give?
7:56
